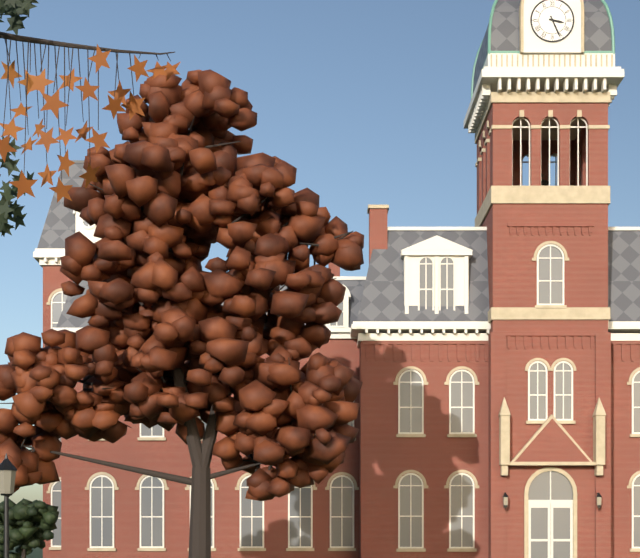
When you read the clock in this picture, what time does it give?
3:26
